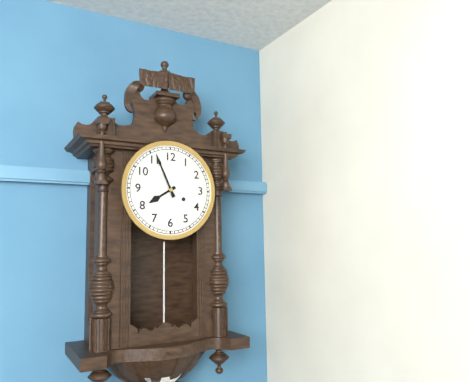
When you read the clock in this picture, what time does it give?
7:56
